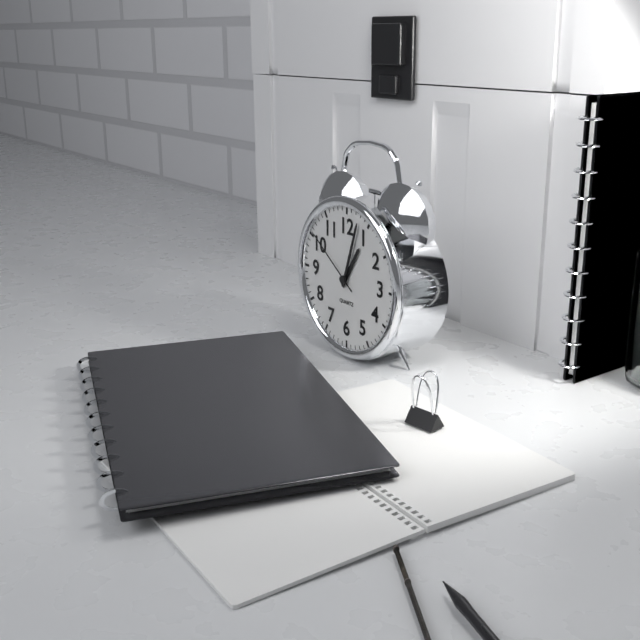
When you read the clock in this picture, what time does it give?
1:03:51
